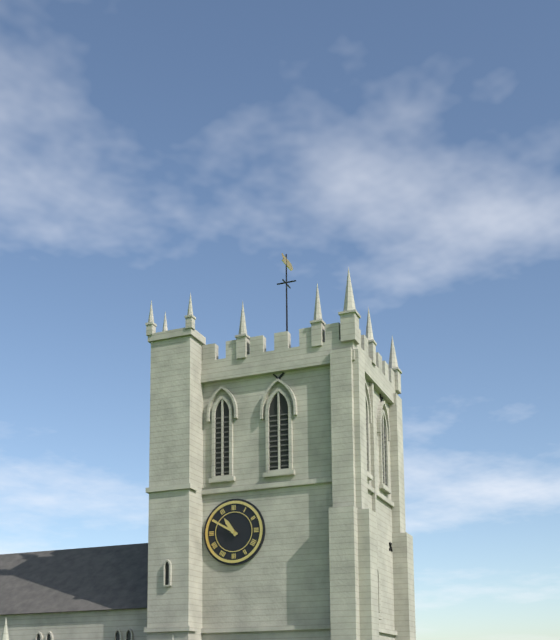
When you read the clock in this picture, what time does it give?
10:50
